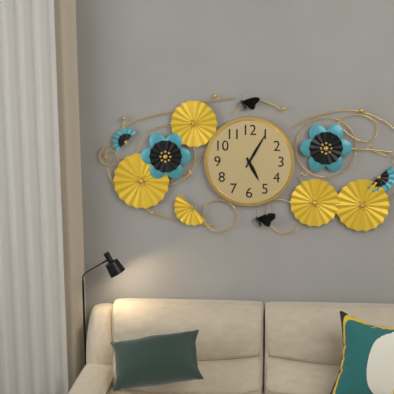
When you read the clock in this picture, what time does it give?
5:05
